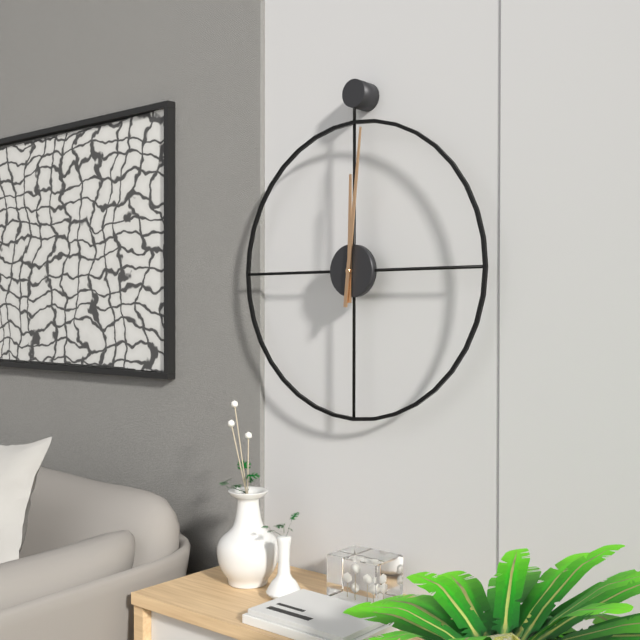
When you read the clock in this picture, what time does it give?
12:01
